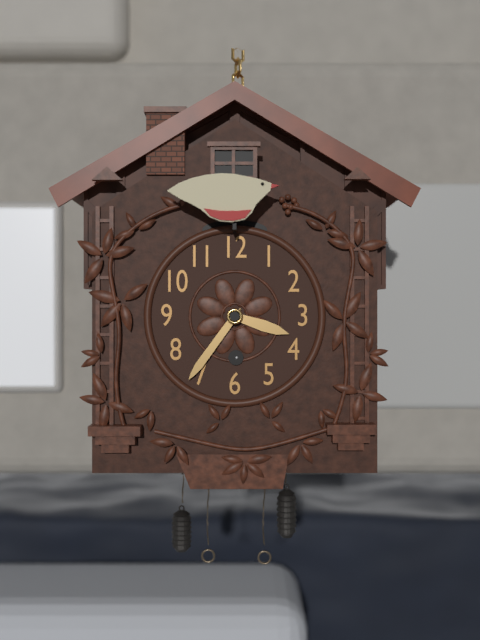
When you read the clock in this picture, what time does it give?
3:36
